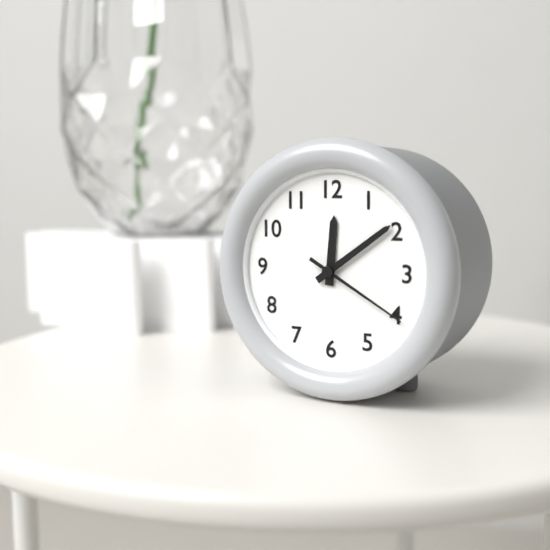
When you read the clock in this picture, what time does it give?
12:09:20
